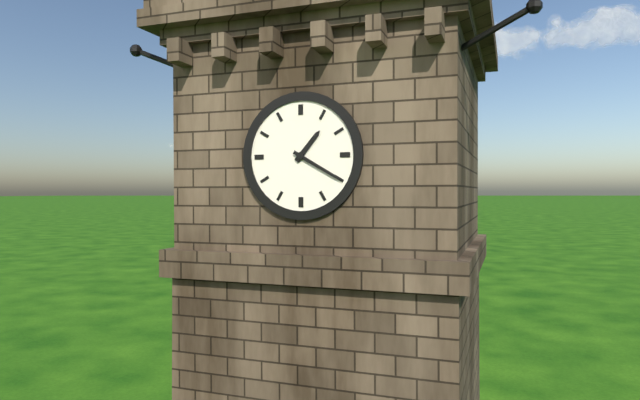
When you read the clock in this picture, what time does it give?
1:20
